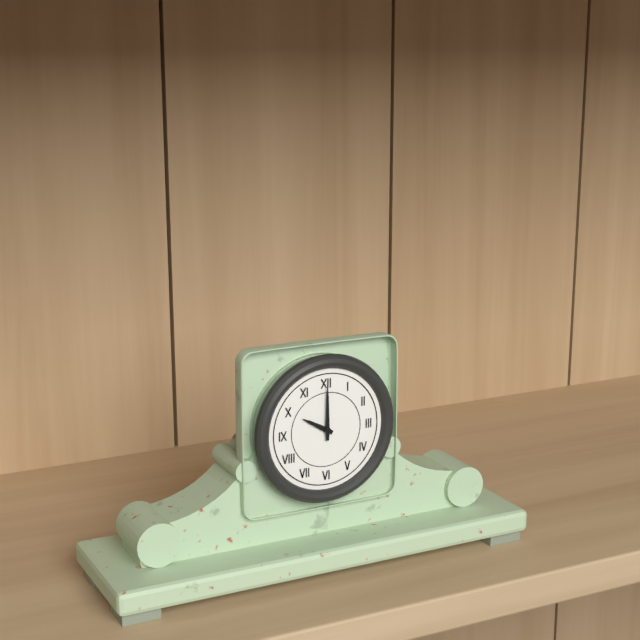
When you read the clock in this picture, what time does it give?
10:00
